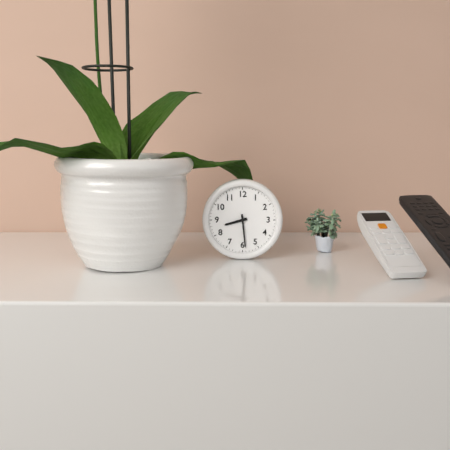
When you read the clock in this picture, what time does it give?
8:29
